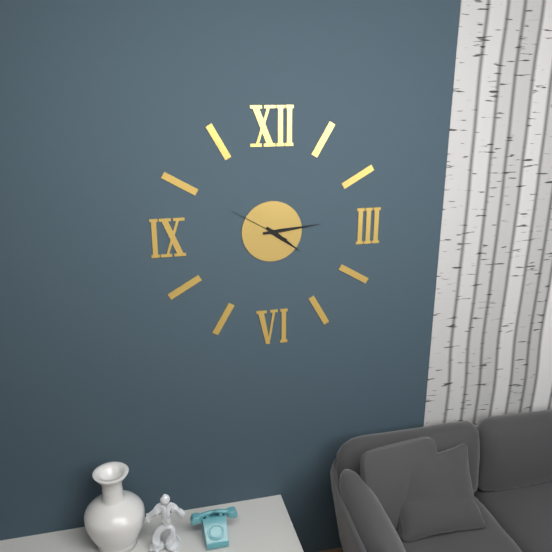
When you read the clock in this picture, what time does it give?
4:14:50
